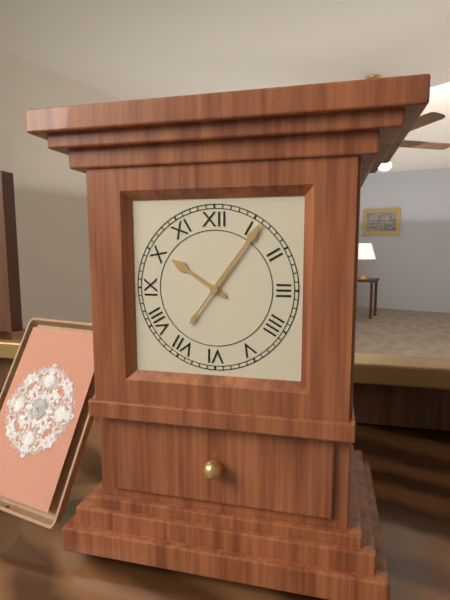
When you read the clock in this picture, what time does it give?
10:06
